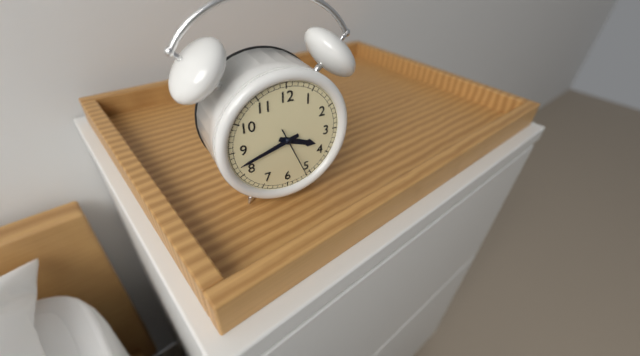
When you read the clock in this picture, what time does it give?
3:42
